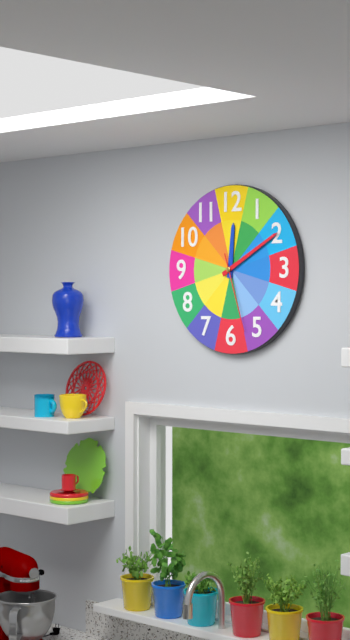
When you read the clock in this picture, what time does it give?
12:10:27
